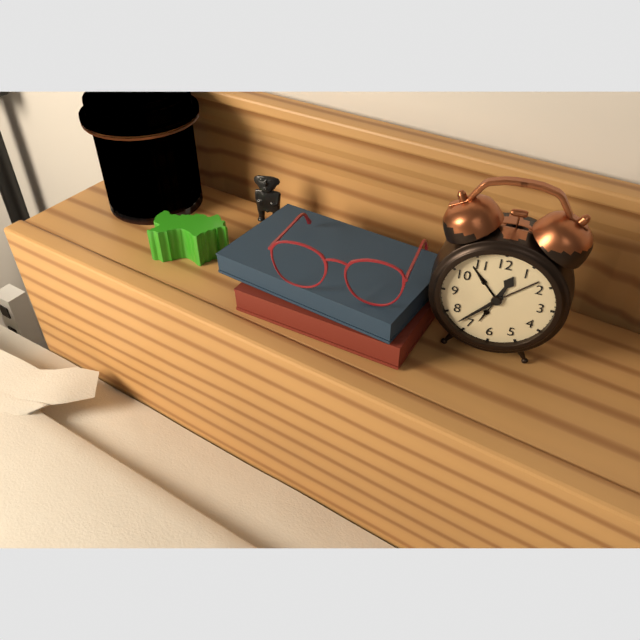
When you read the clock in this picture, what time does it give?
12:37
